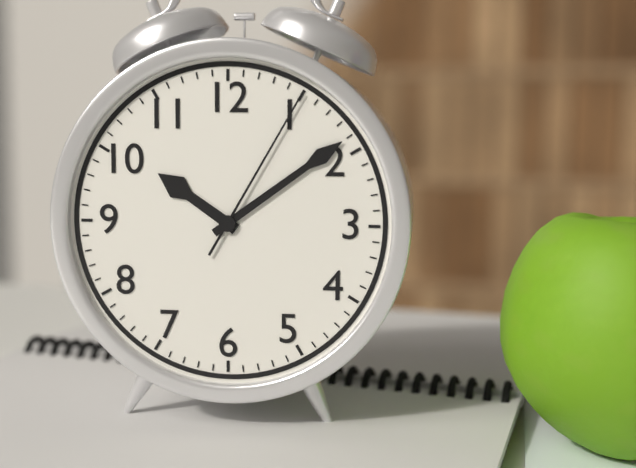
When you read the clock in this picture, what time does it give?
10:09:05
